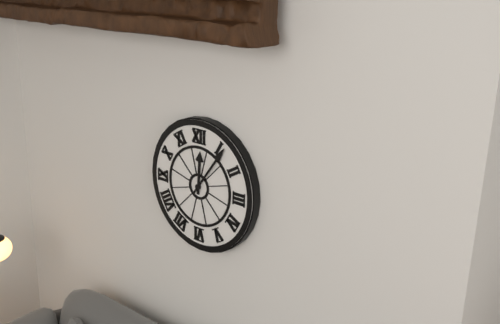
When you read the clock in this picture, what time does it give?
12:06
